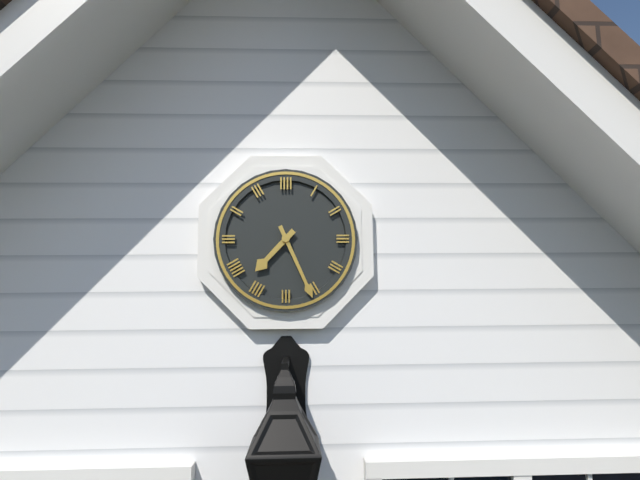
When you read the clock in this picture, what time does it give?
7:26
